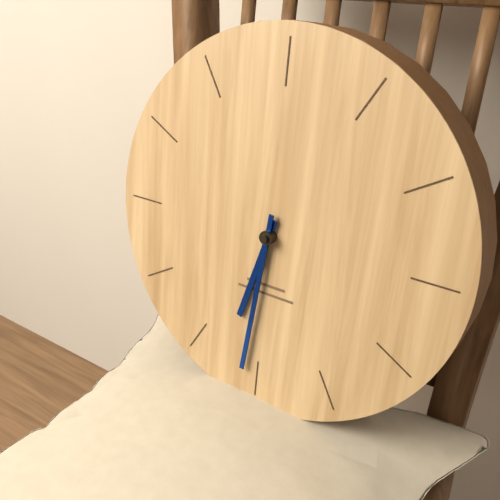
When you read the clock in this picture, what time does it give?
6:31
